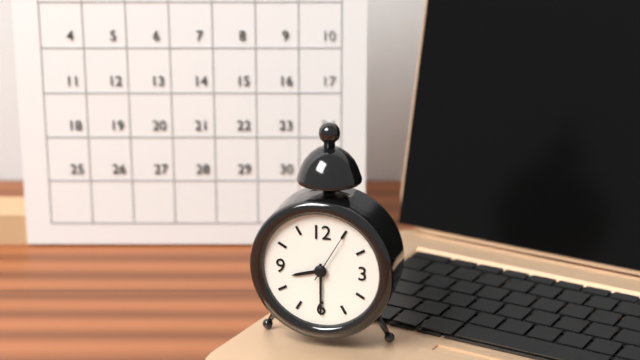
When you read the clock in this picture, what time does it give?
8:30
